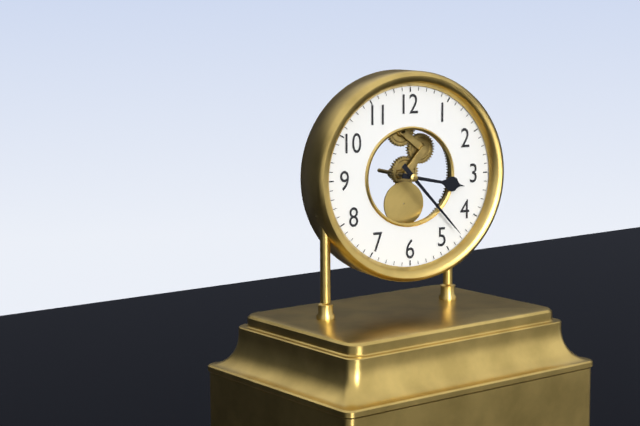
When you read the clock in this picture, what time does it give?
3:23
